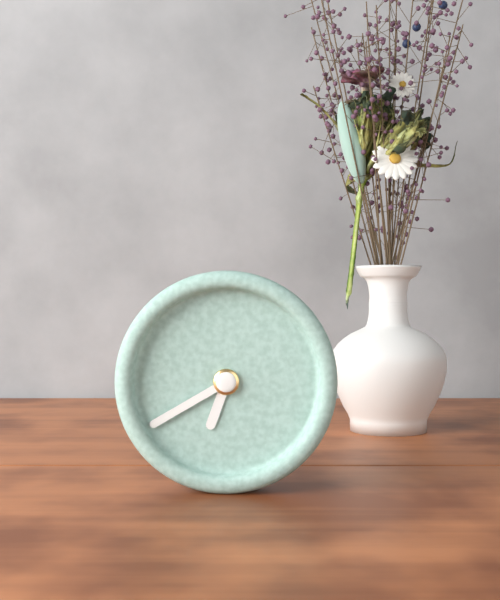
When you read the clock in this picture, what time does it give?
6:40
